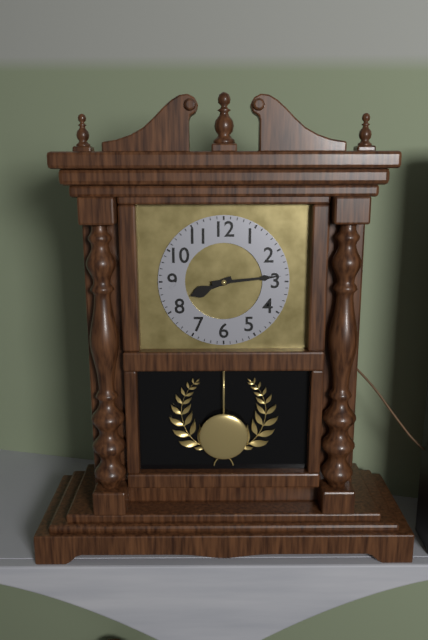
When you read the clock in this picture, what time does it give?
8:14
